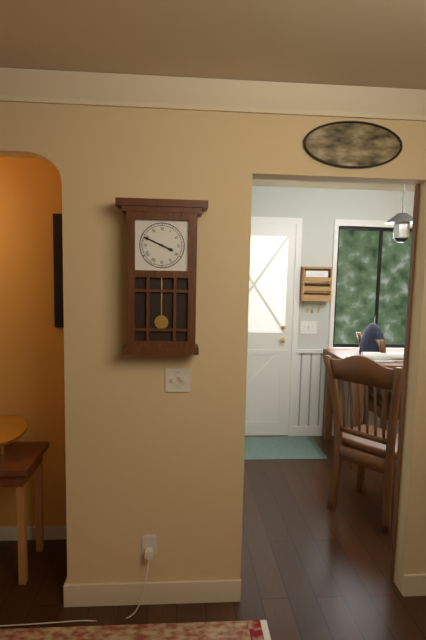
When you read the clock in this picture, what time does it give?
3:49
